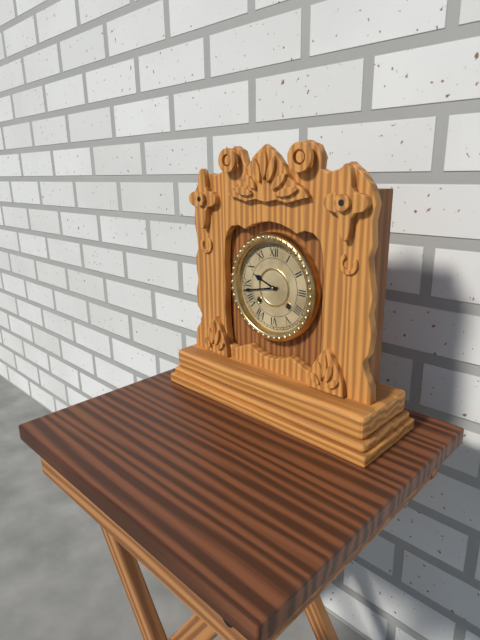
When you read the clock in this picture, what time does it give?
9:43
